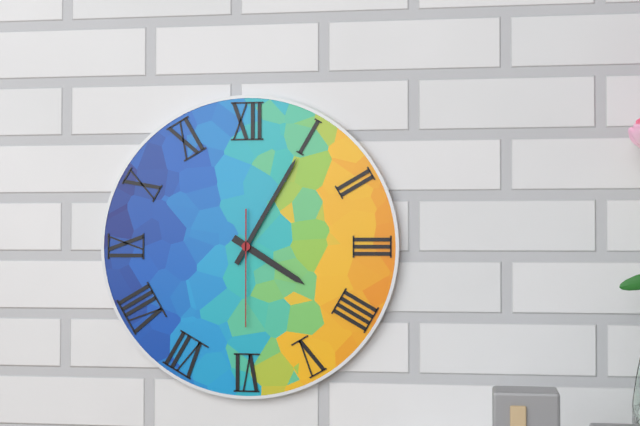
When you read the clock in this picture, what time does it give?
4:05:30
